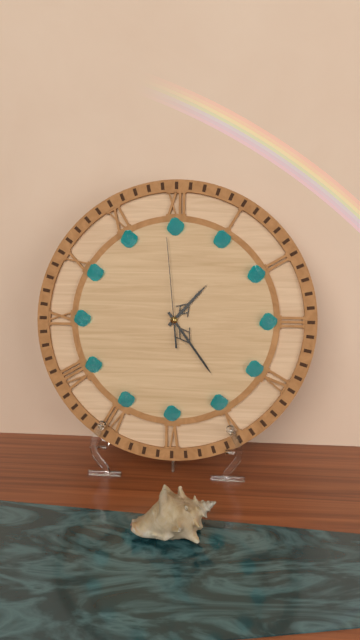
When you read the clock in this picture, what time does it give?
1:24:59
